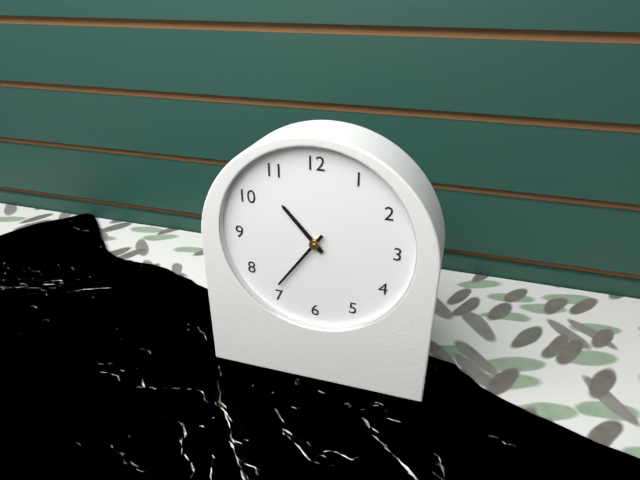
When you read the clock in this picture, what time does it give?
10:36
